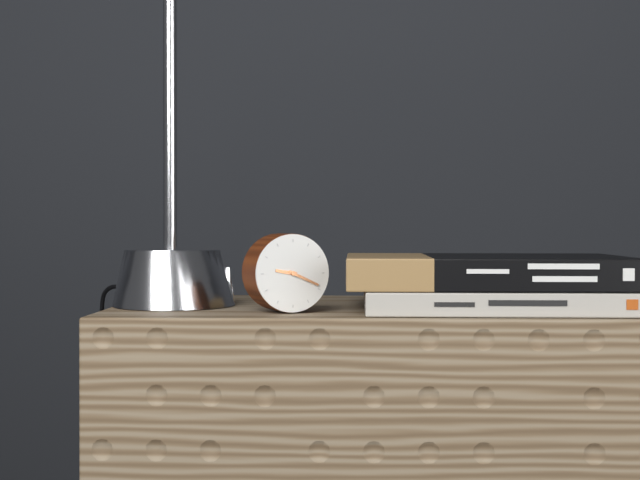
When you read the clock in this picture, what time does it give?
9:19
